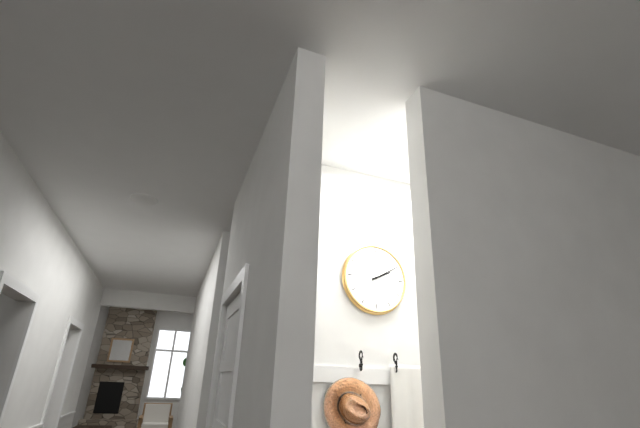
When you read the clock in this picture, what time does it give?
2:10
